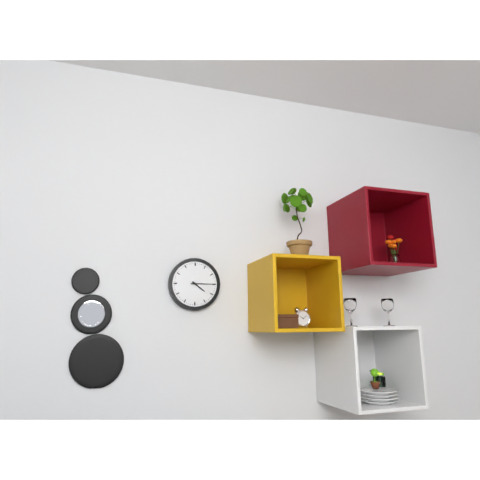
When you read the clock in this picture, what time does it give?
4:15
